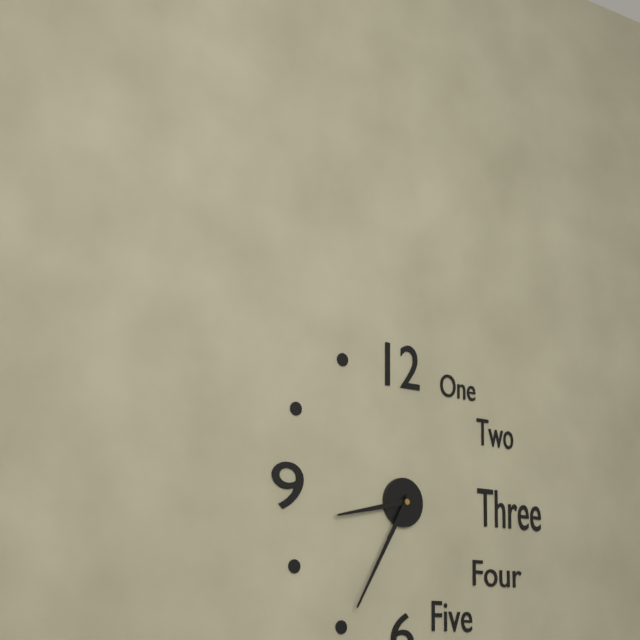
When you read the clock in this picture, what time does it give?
8:35
